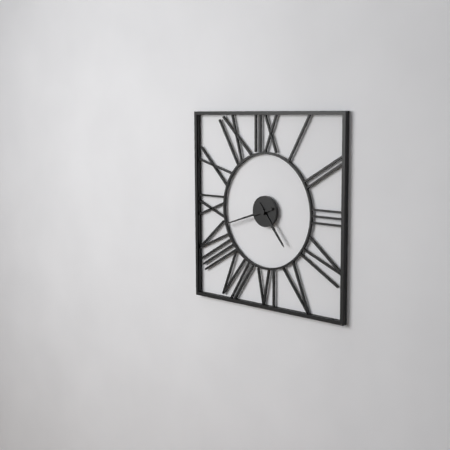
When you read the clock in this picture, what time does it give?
4:42
